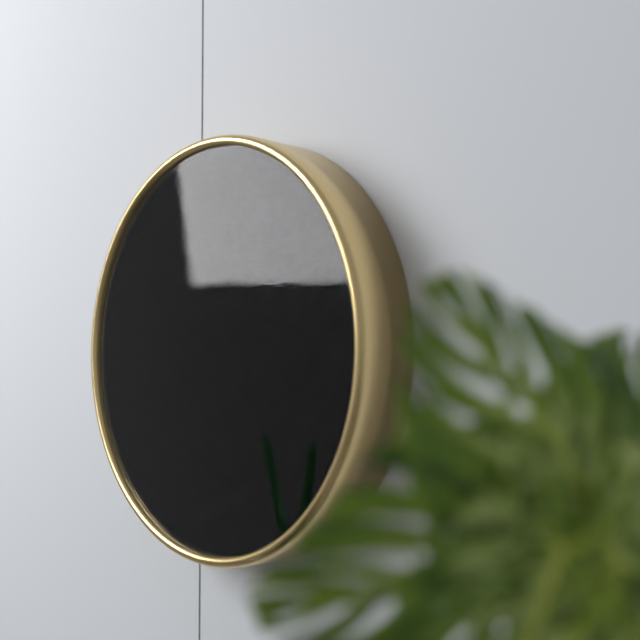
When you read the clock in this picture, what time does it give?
5:48
